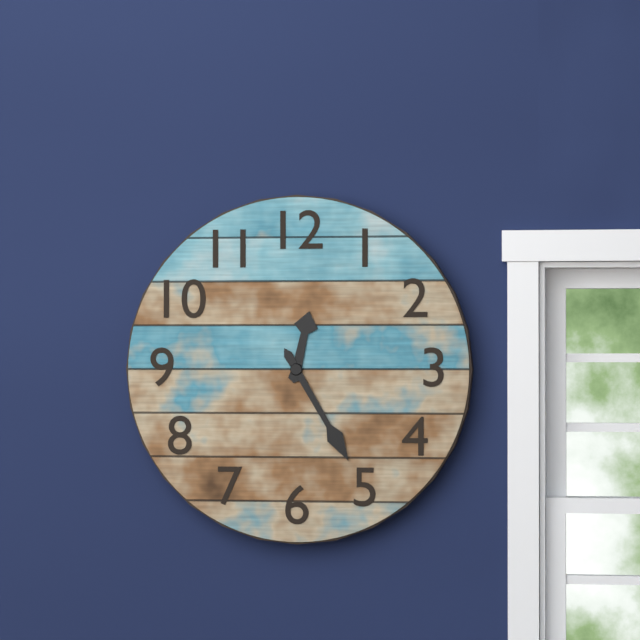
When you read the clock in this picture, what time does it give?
12:25
